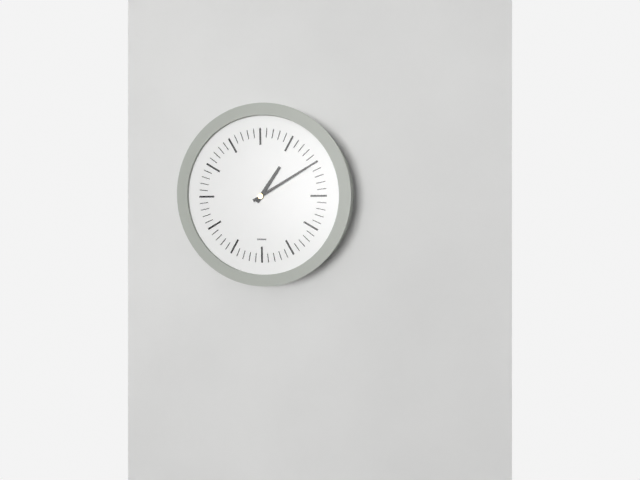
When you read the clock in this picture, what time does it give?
1:10
